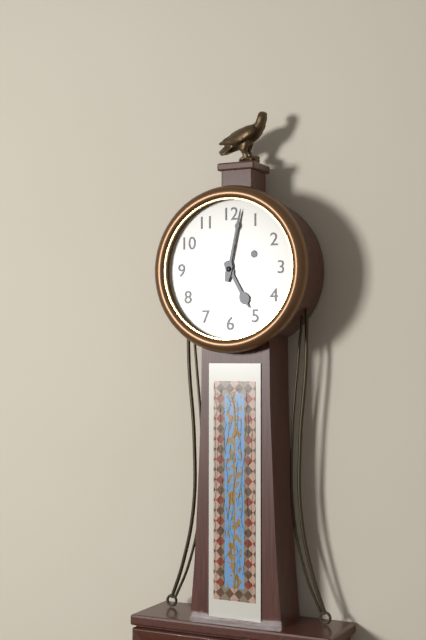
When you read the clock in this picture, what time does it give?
5:02
